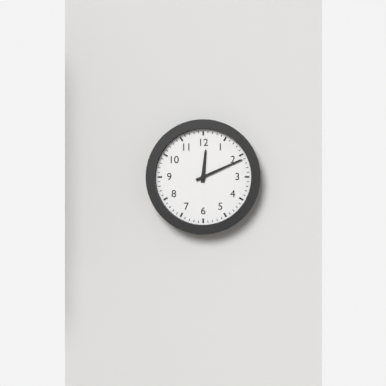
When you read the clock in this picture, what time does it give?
12:11
